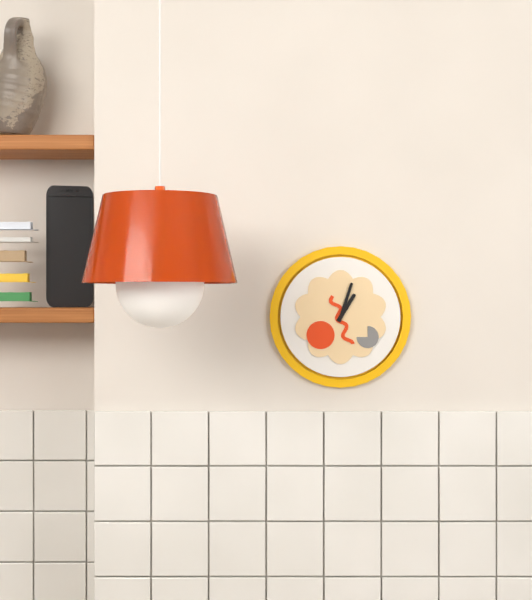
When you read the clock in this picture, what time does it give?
1:03
